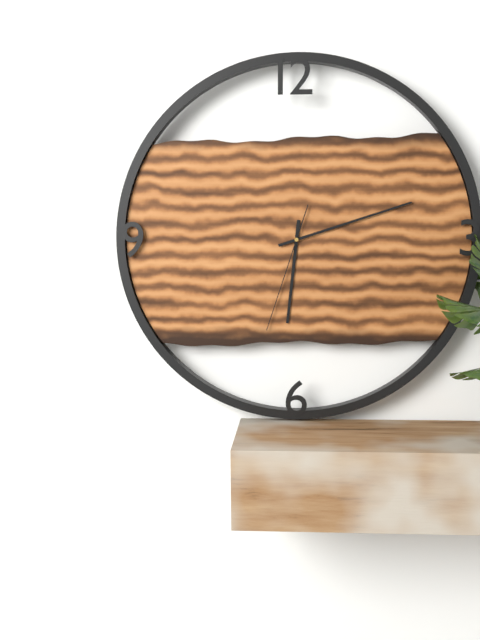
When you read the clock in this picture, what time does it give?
6:12:33
